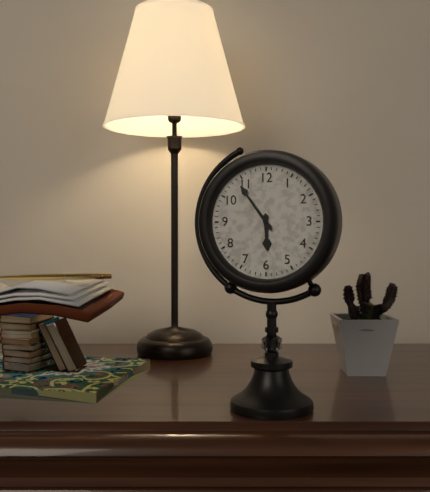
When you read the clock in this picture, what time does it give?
5:54
